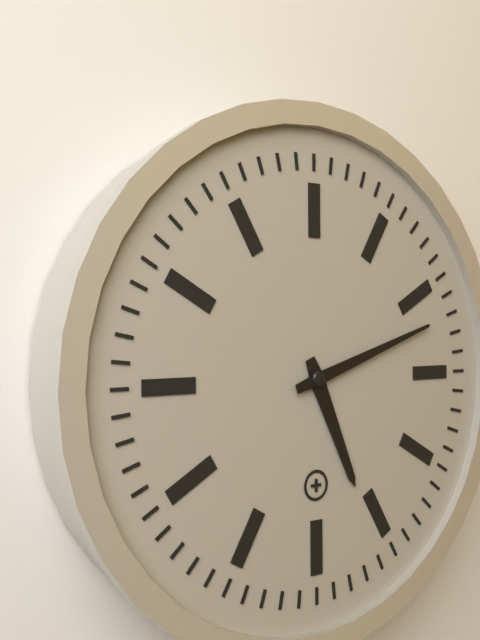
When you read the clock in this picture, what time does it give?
5:12
